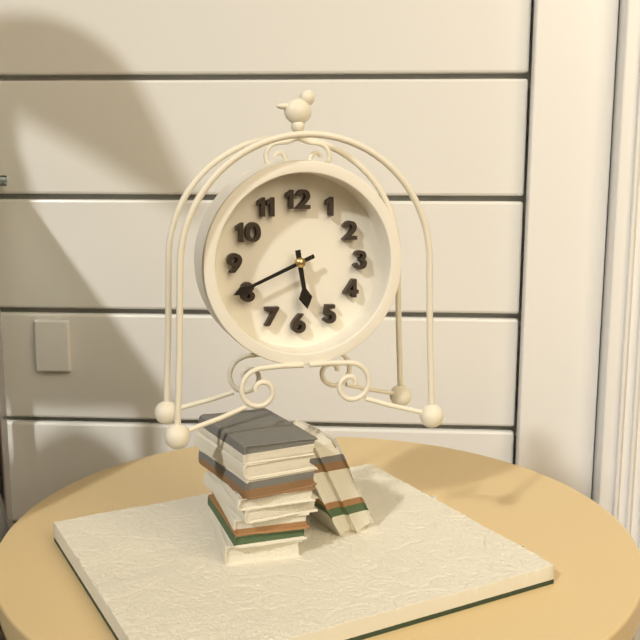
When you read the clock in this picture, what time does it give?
5:41
